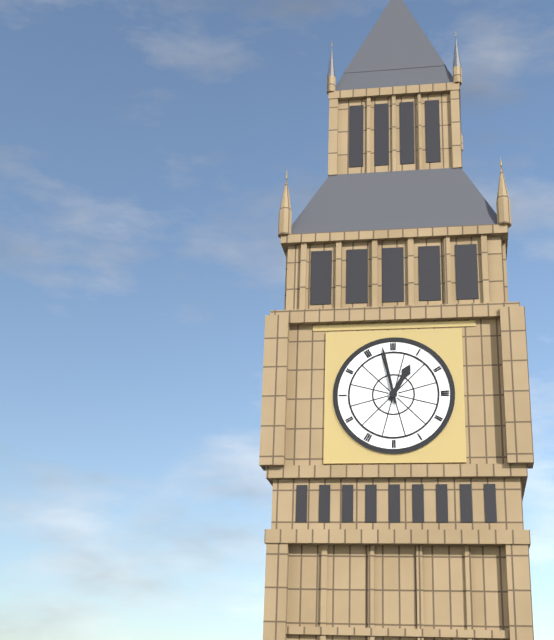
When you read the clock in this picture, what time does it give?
12:58
